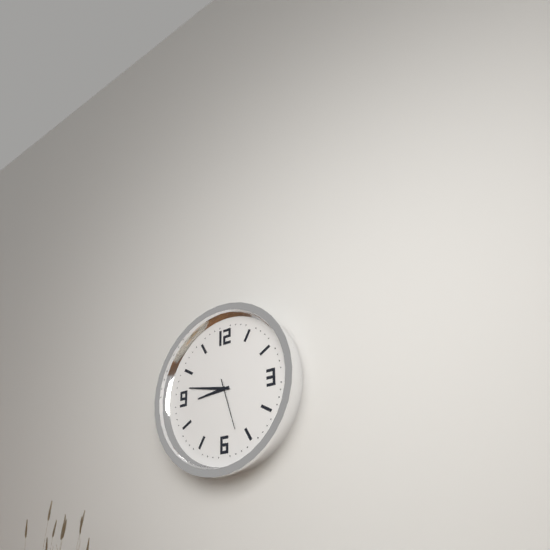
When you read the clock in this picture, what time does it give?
8:47:27
